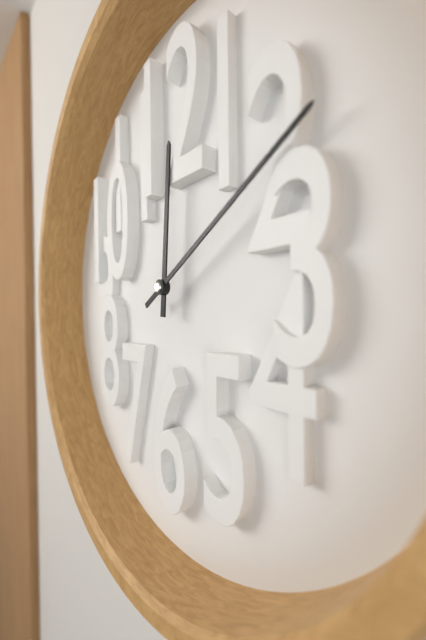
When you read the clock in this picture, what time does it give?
12:10
